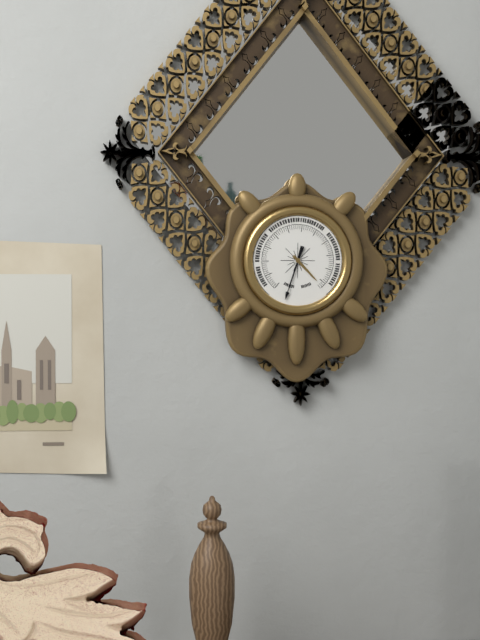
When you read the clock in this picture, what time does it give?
4:33
